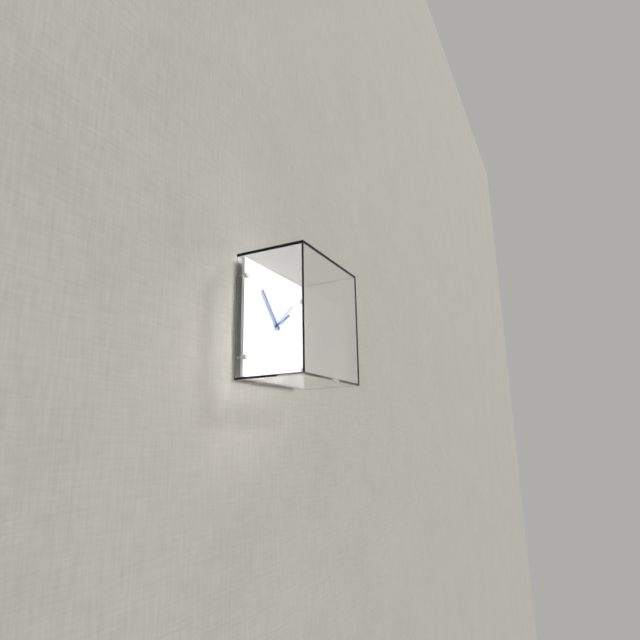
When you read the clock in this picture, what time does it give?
1:53
